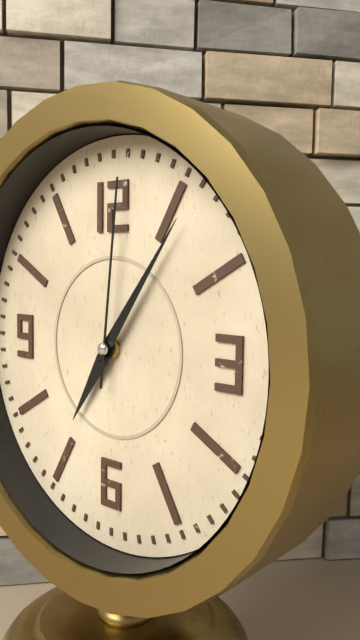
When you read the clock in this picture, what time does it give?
7:06:01
